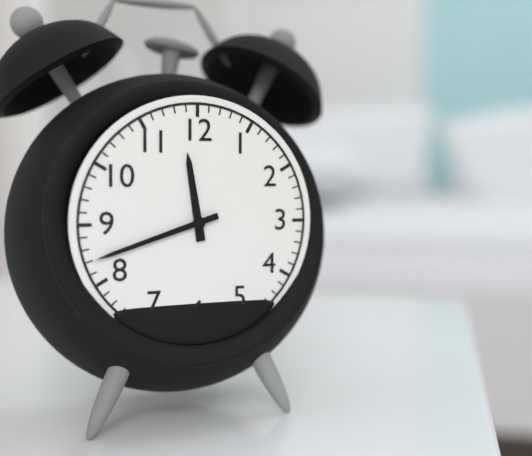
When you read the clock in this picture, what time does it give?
11:42
